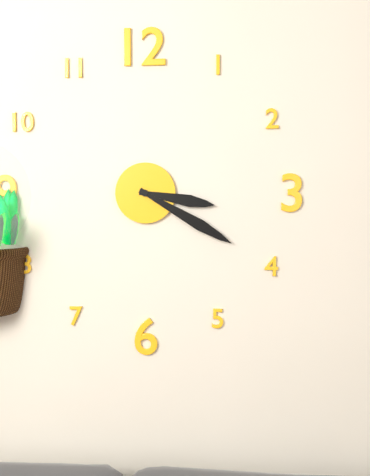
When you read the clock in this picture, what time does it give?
3:20
